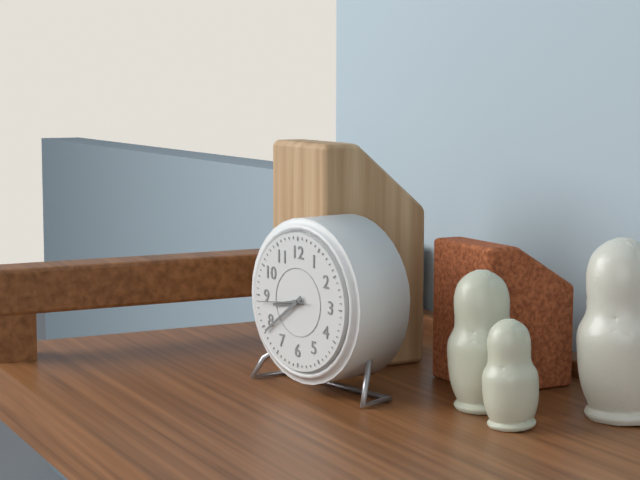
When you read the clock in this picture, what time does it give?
8:39:44
